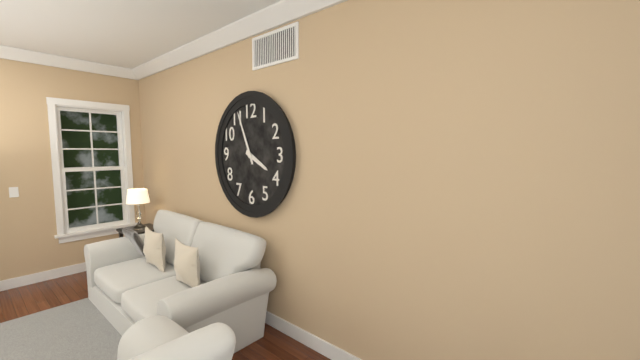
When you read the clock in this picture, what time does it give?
3:56
